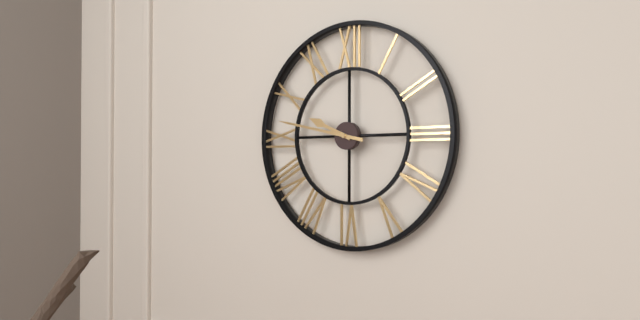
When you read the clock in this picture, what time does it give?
9:47
